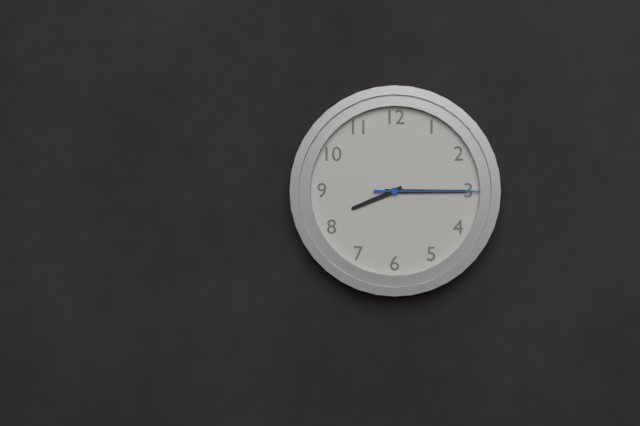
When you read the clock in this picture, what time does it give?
8:15:15
